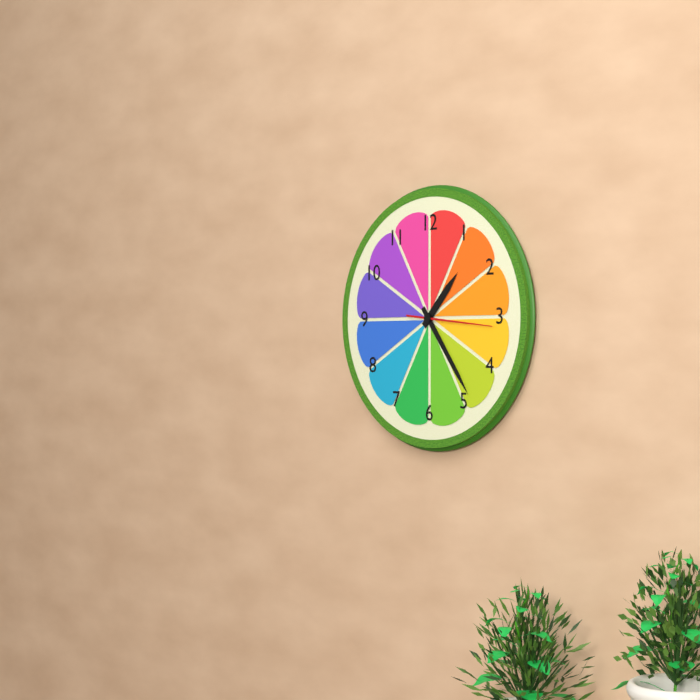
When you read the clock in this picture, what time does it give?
1:24:16
